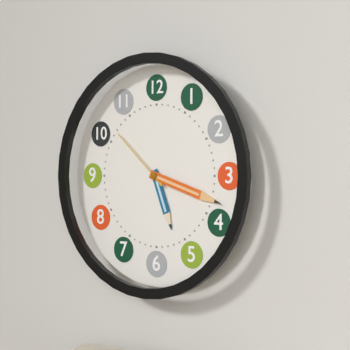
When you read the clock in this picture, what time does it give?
5:18:52
